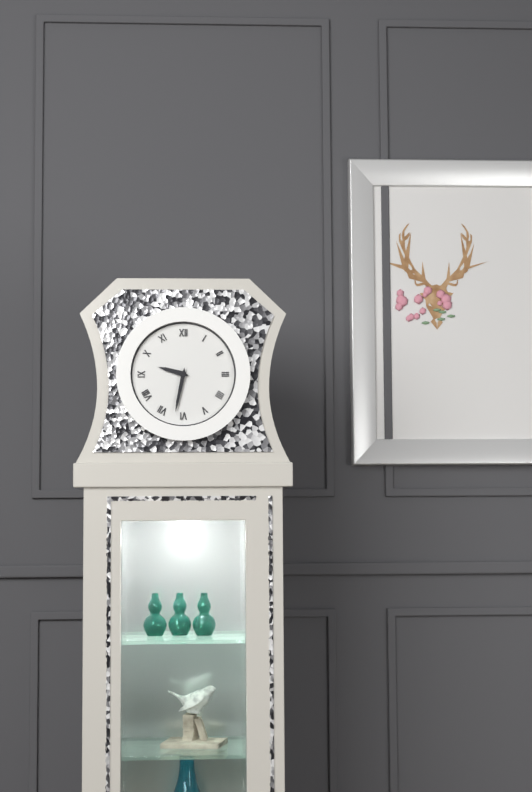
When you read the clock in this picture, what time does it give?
9:32
